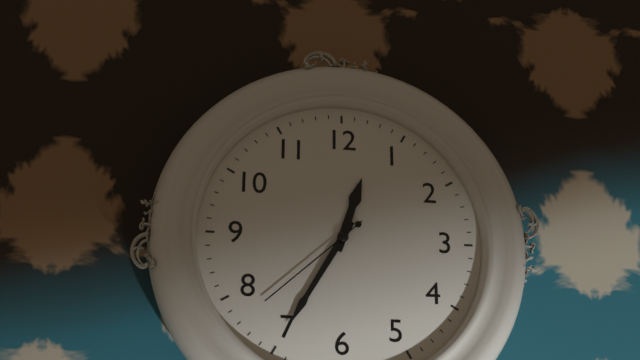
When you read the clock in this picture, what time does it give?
12:35:38
